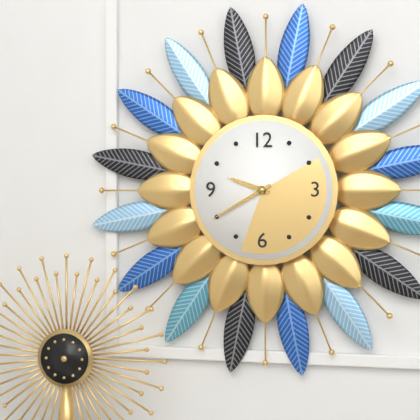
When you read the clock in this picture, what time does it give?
9:40
